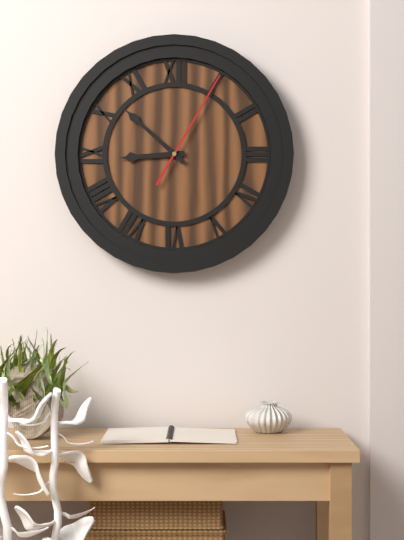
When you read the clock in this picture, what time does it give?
8:52:05
